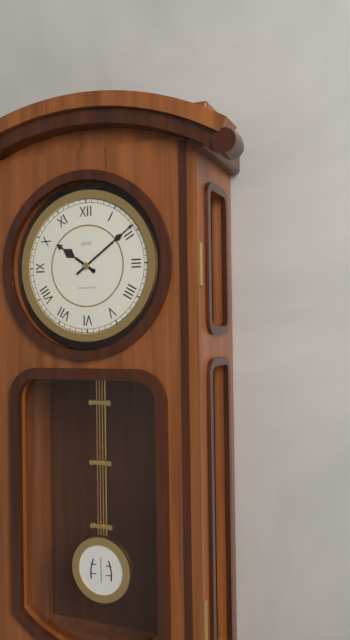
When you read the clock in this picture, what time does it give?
10:09
